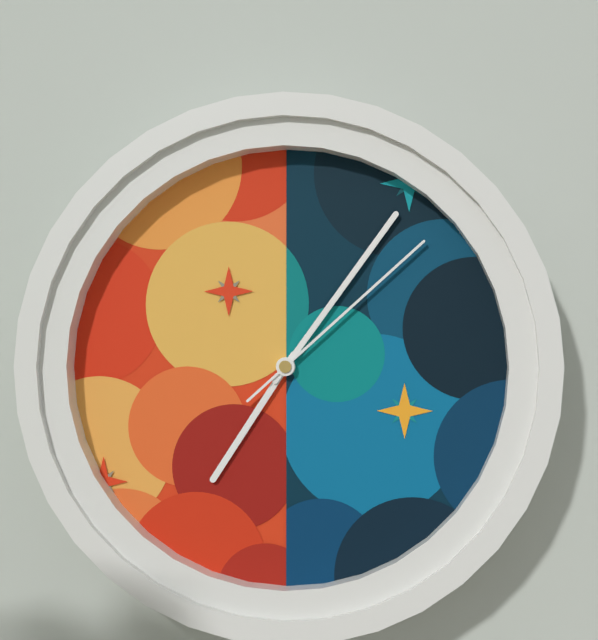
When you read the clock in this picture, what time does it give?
7:06:08
